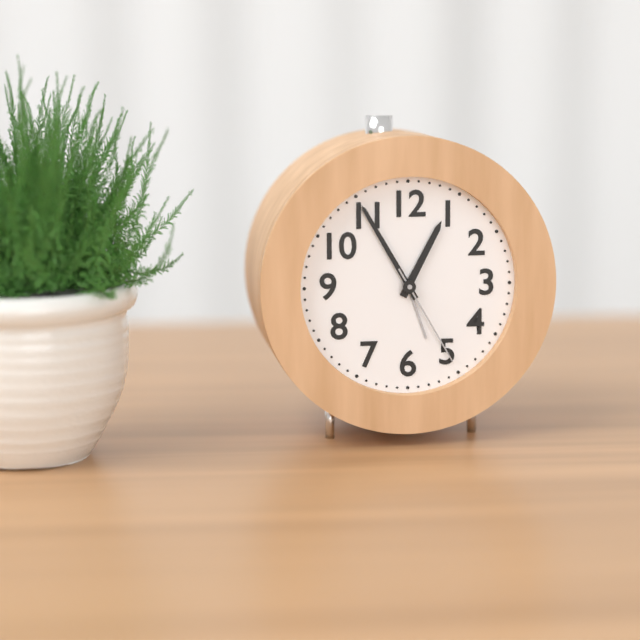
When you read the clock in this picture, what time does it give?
12:55:25
